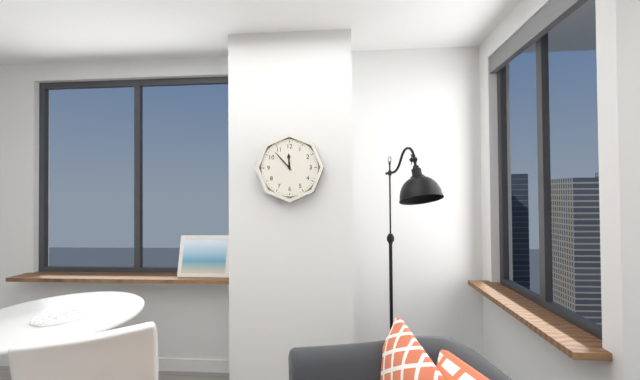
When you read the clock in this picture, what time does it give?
11:53
